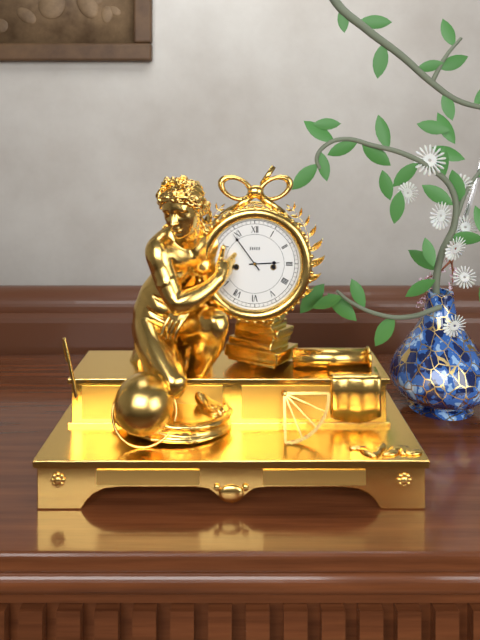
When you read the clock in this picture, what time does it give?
2:54
